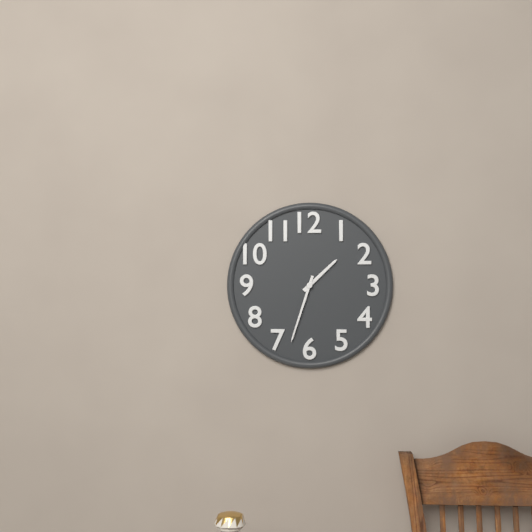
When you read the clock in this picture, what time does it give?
1:33
